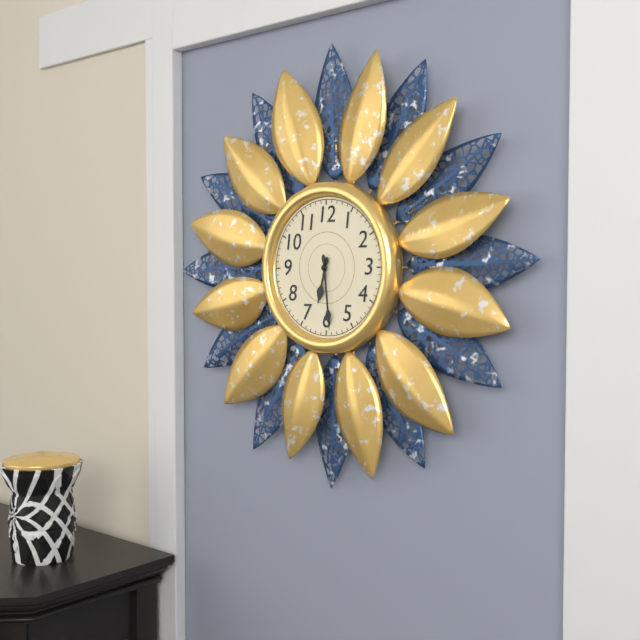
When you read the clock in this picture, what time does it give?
6:29
